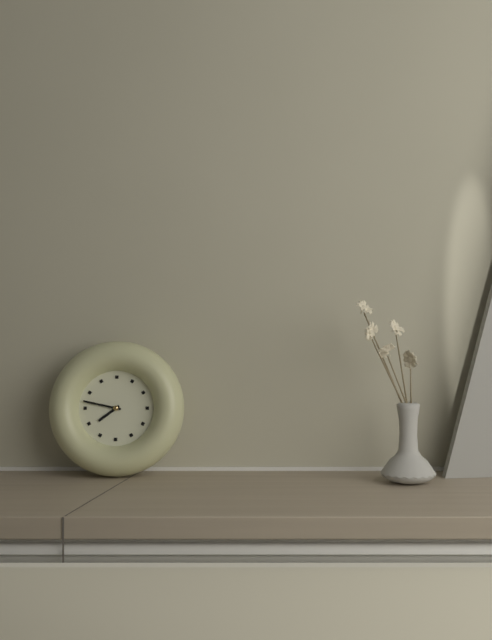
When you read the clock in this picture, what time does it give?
7:47
